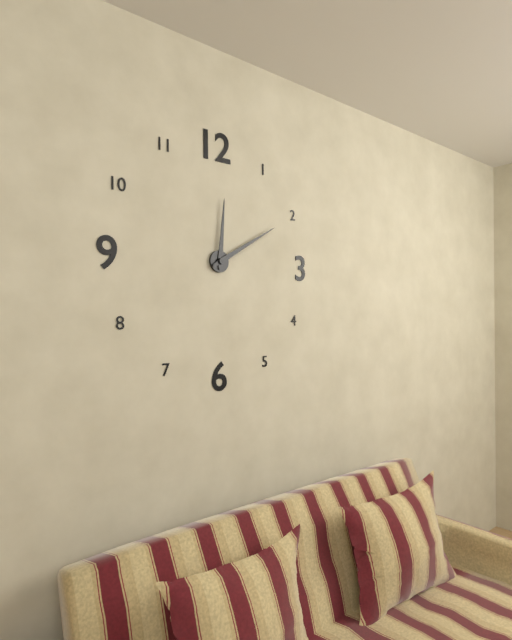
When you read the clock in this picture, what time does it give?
12:10
